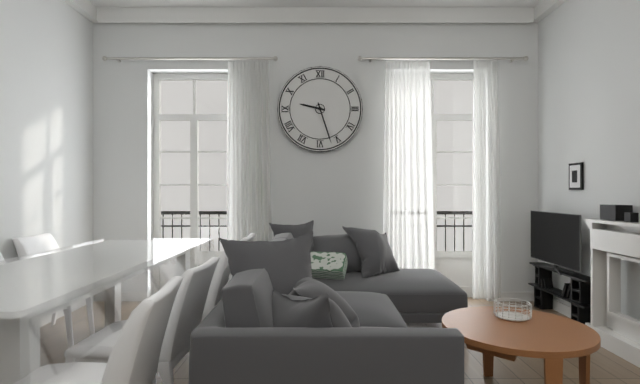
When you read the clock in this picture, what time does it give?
9:27
